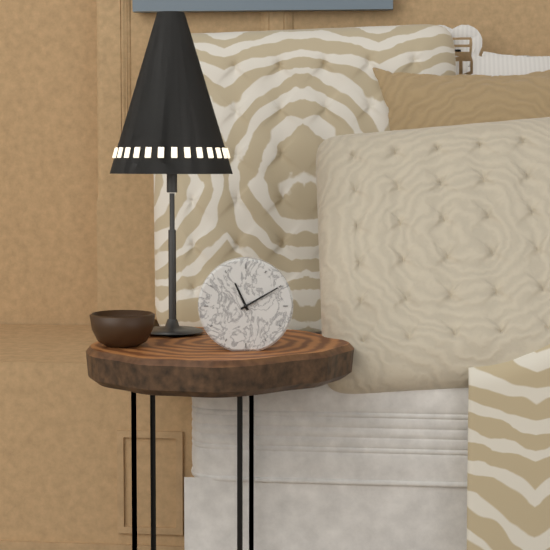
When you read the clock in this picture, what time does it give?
11:10
